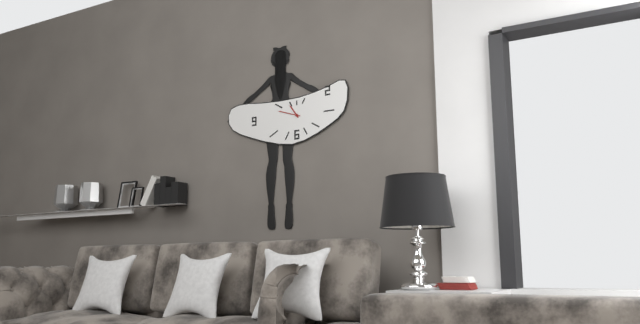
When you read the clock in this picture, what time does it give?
10:48
